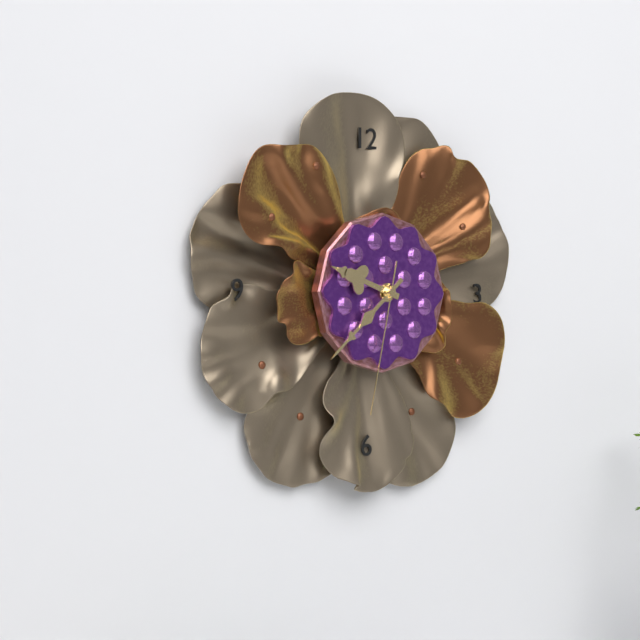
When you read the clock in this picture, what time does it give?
9:38:32
